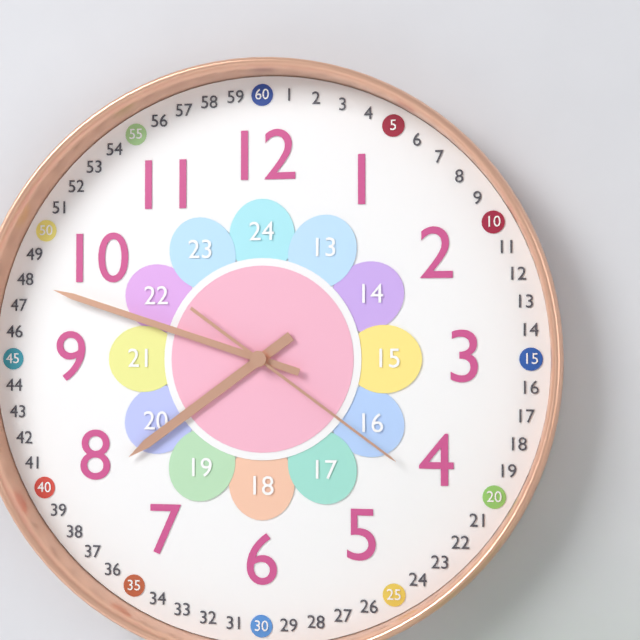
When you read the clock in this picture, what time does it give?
7:48:21
